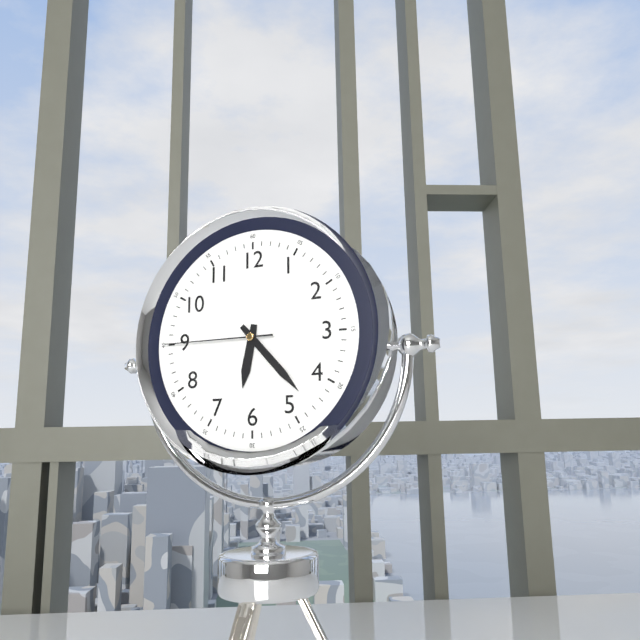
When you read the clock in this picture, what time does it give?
6:23:45
